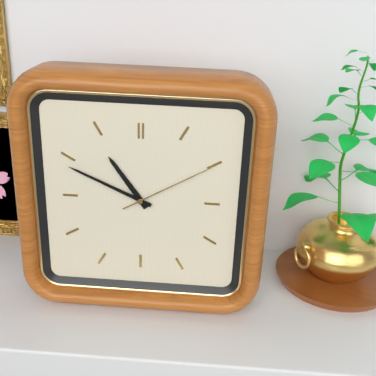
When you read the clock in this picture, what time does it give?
10:49:10
